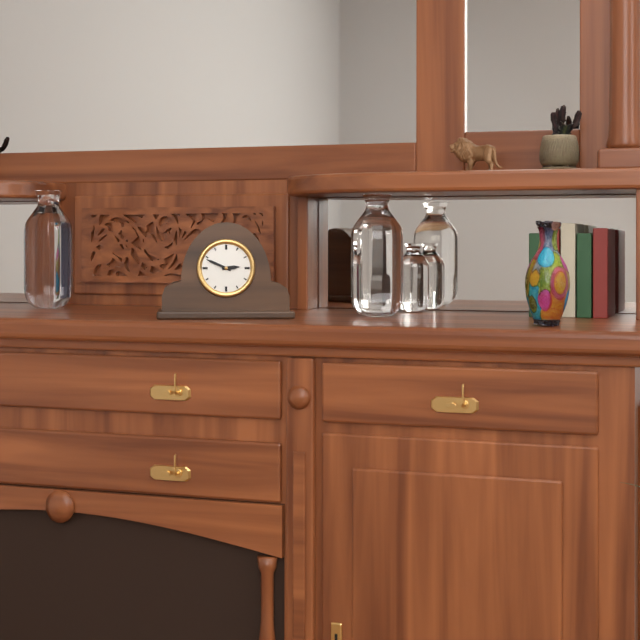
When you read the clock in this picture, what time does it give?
2:49
